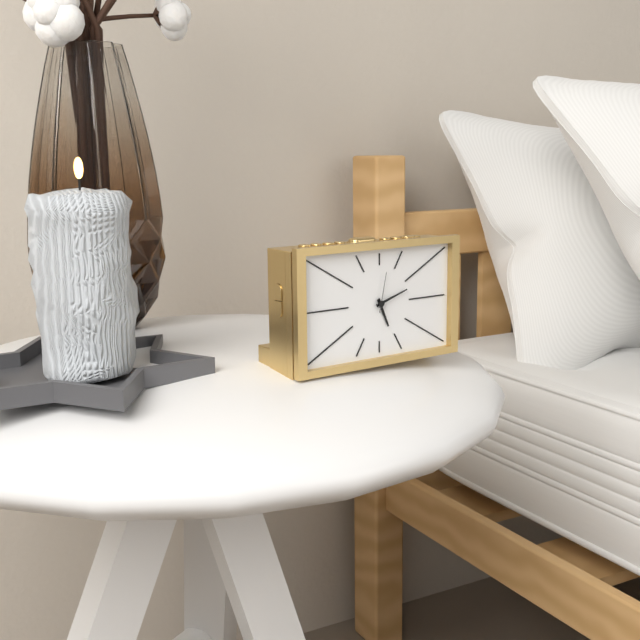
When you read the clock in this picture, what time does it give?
5:12
